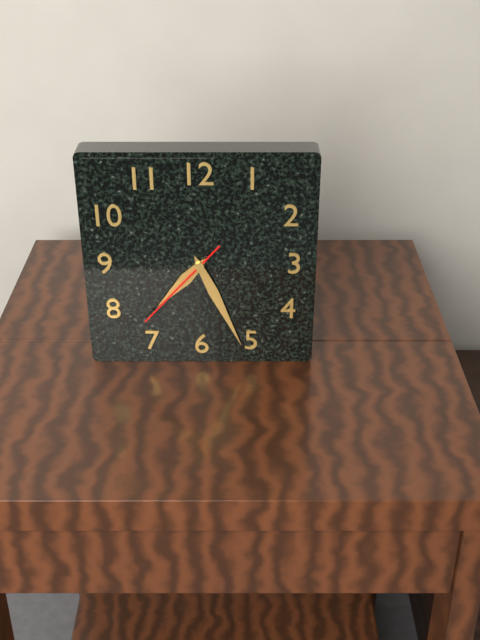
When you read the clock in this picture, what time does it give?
7:26:37
